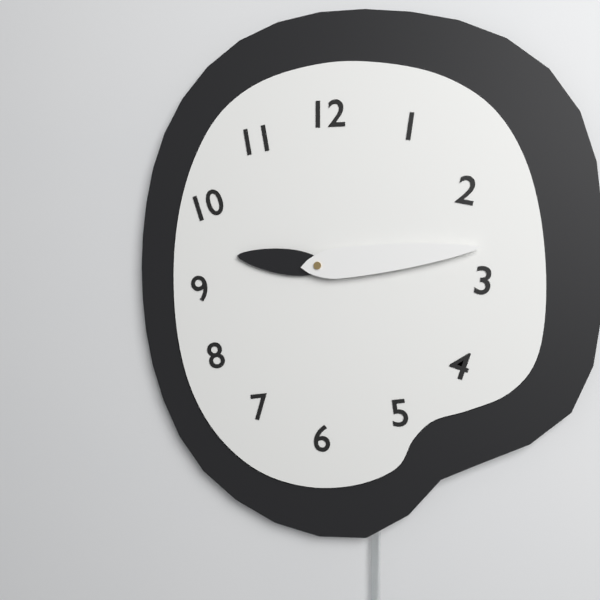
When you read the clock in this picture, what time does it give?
9:14
